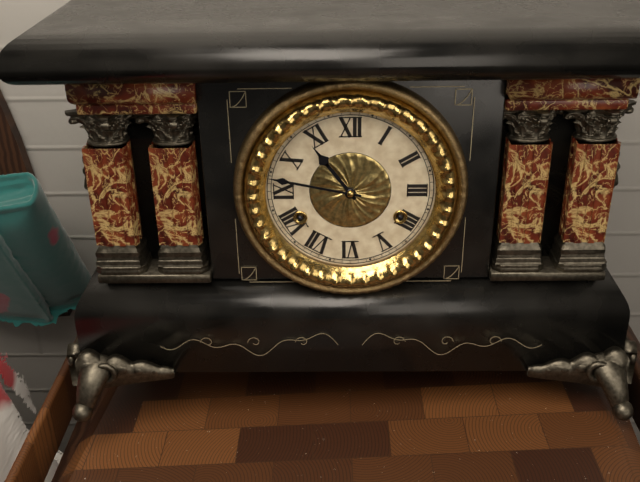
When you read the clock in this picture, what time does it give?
10:47
